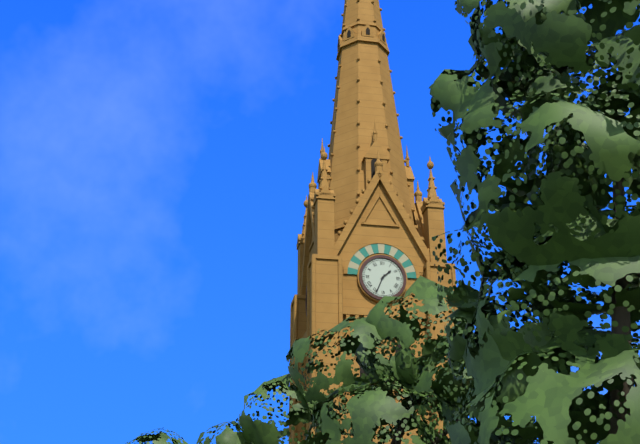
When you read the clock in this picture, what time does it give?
1:34
